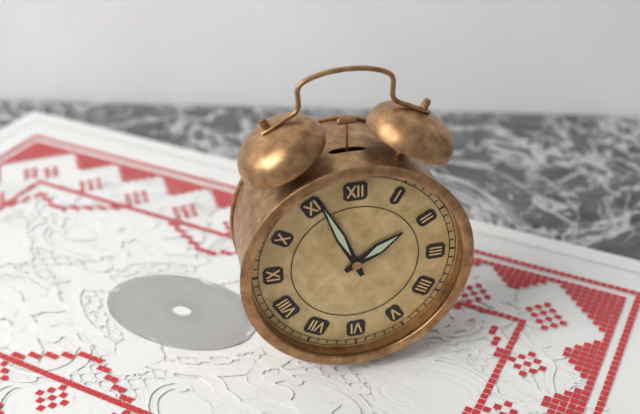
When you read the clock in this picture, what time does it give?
1:56
